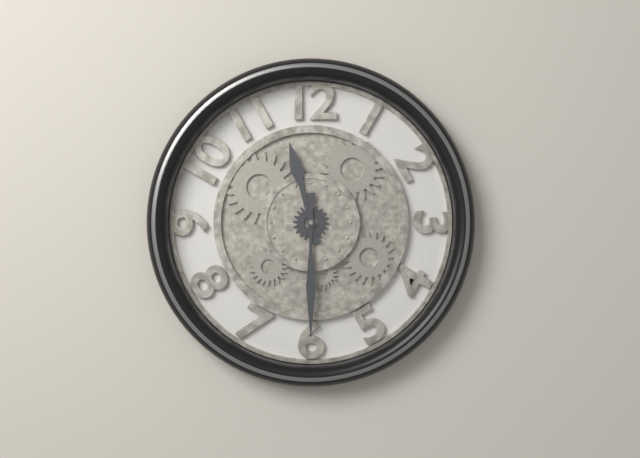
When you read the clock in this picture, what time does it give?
11:30
